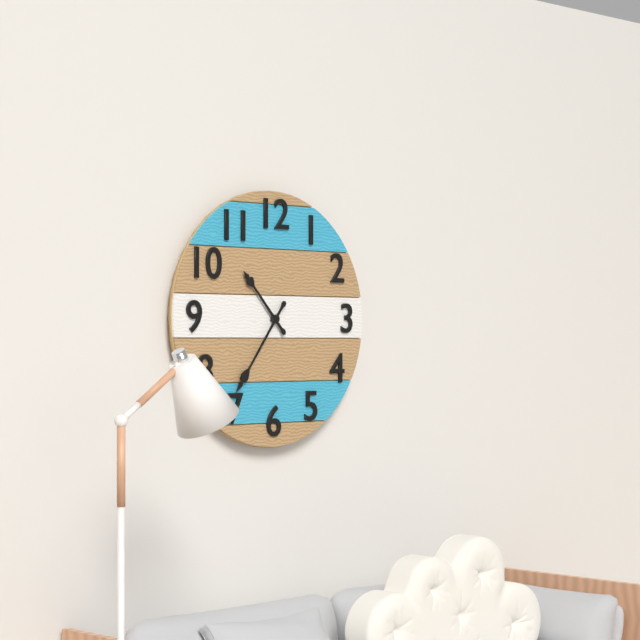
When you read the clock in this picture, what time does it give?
10:36
